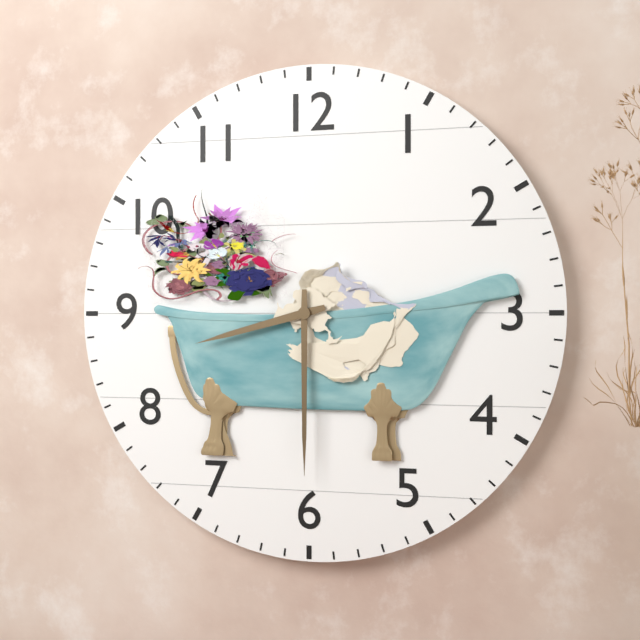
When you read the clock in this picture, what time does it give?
8:30
